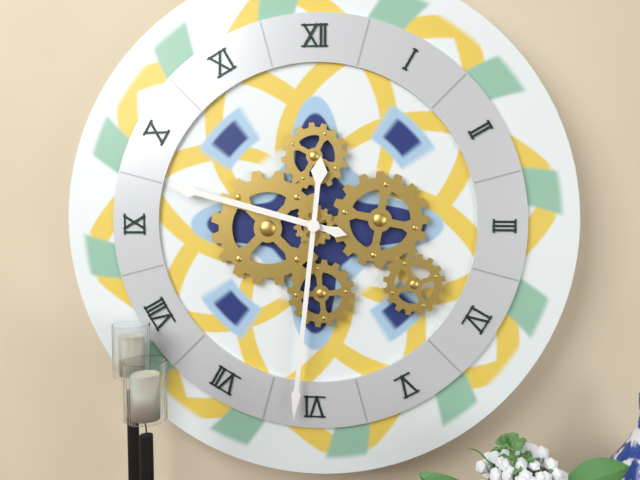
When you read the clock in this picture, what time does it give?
9:31
